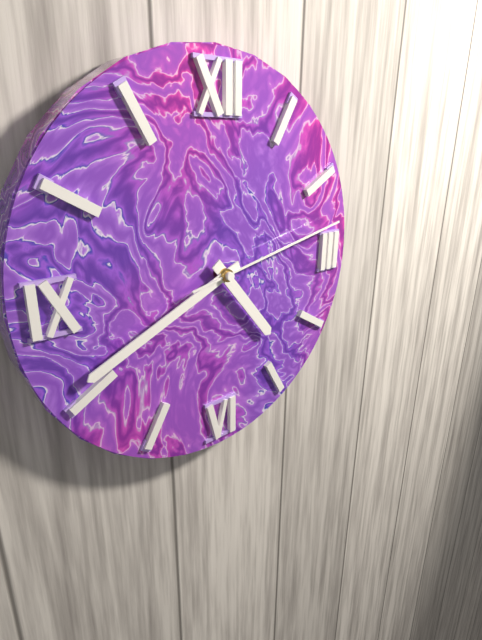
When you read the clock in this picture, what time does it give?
4:41:13
